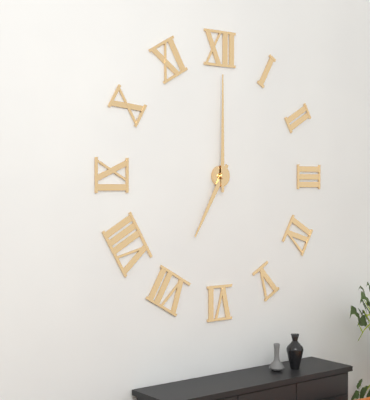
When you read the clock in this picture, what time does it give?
7:00
